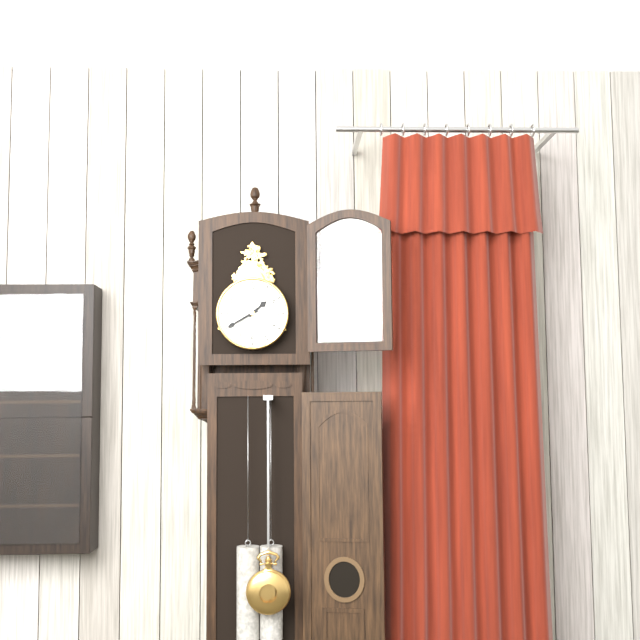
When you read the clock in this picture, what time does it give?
1:40
